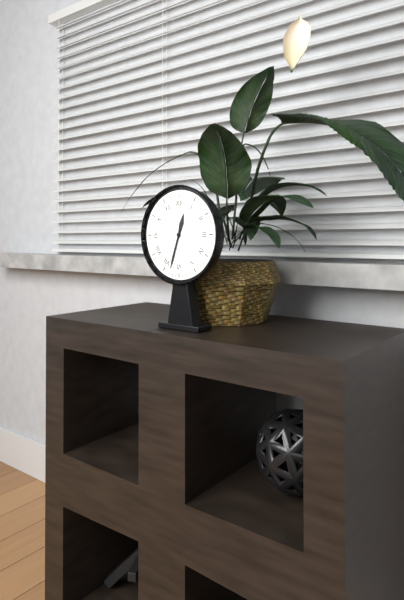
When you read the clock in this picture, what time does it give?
12:33
